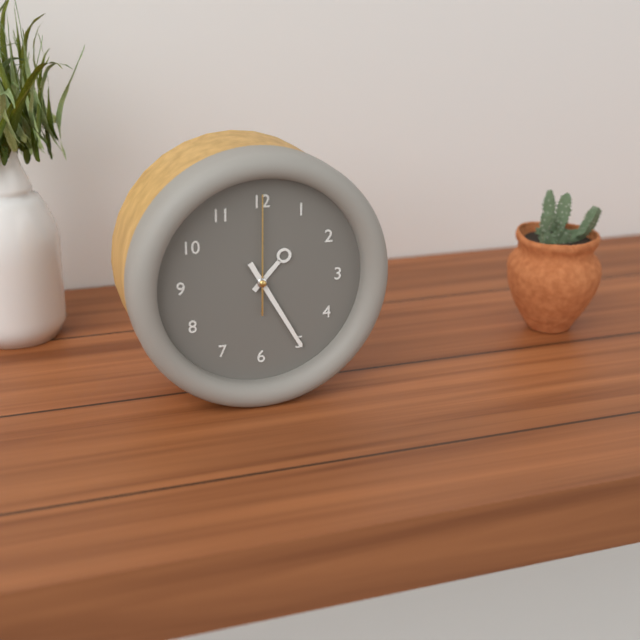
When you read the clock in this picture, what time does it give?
1:25:00
